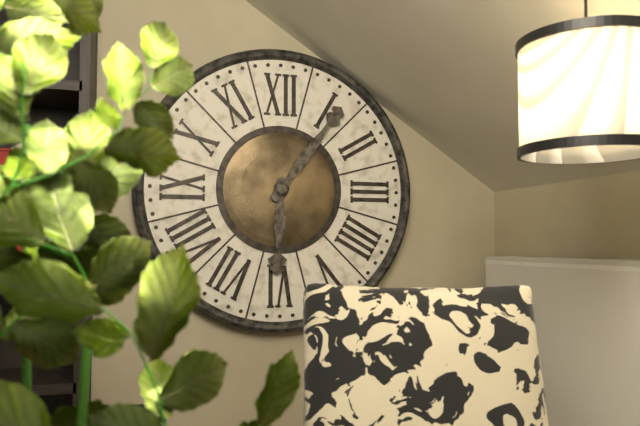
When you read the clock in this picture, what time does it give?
6:06
